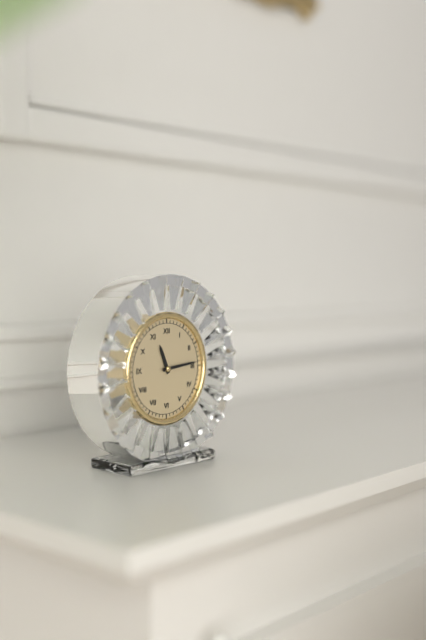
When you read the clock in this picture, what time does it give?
11:14
